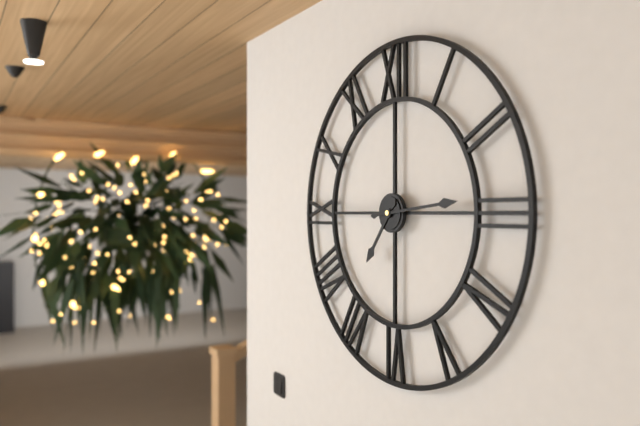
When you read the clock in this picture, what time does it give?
7:14
